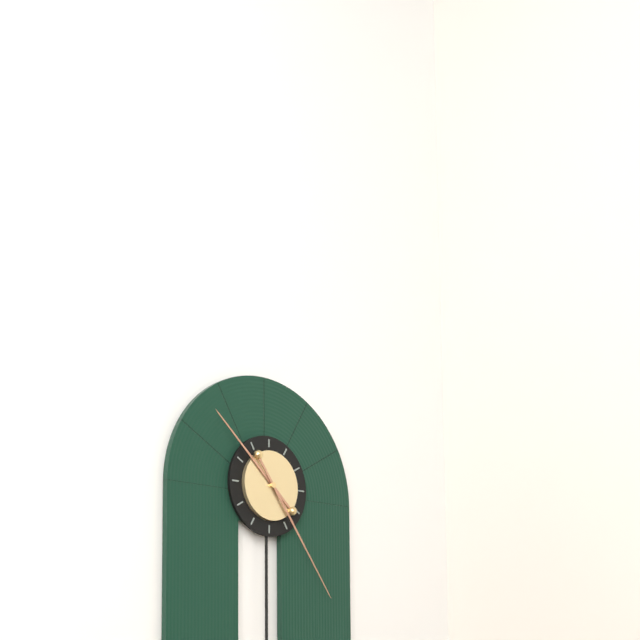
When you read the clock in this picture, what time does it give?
10:24
